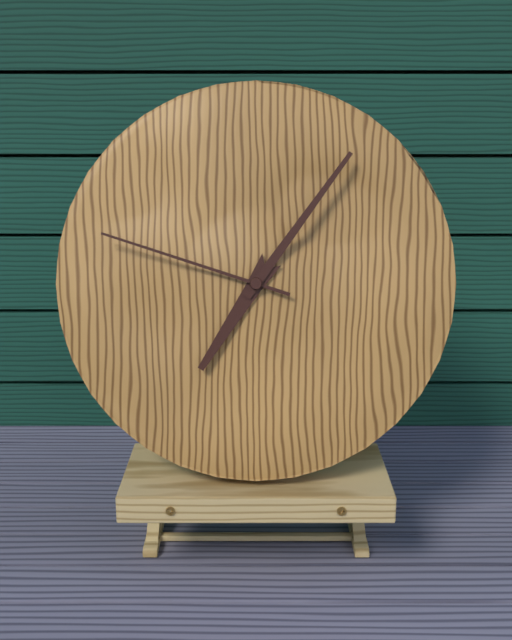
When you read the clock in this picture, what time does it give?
7:06:48
